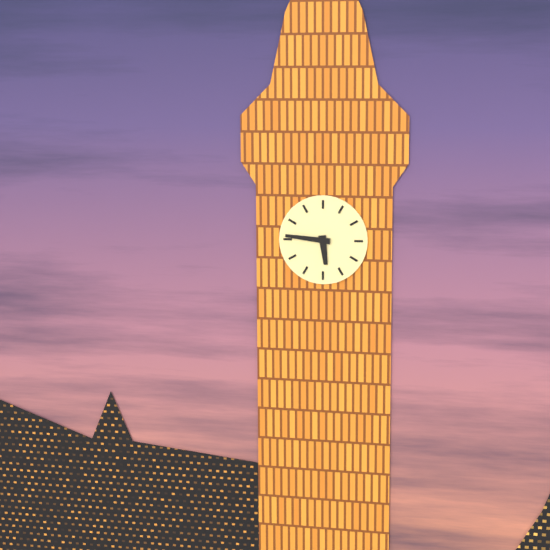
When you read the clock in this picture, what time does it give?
5:46
